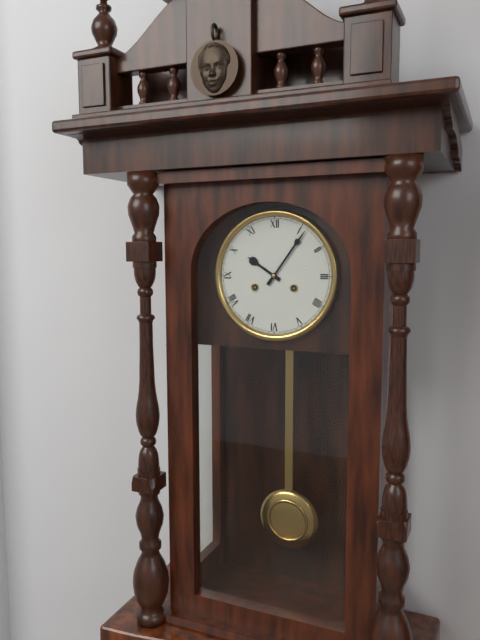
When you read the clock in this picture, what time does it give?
10:06
